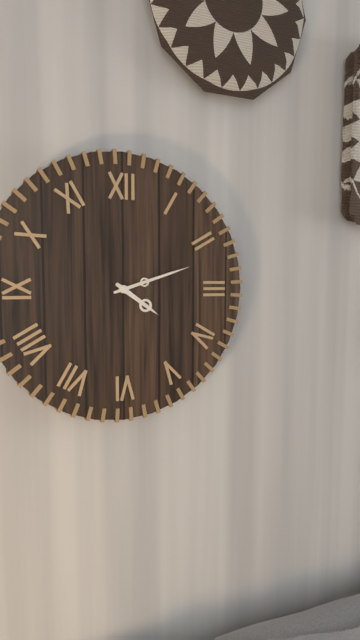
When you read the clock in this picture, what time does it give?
4:12
